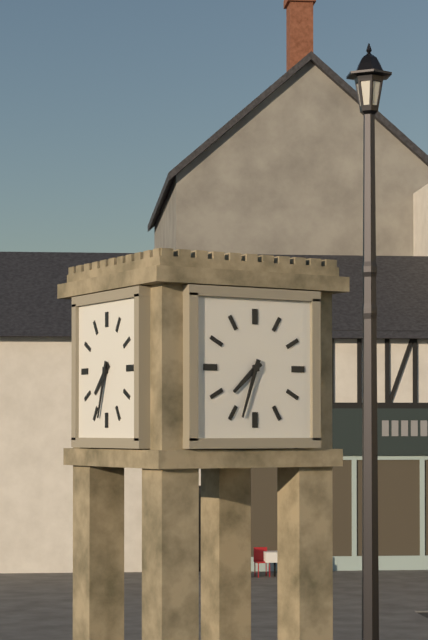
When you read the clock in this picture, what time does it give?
7:33
